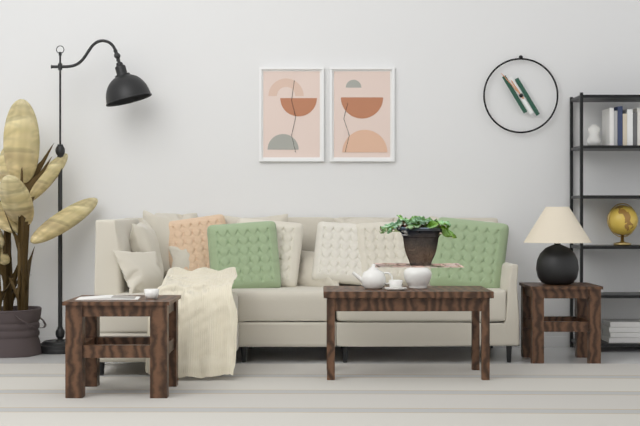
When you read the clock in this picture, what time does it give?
10:53
